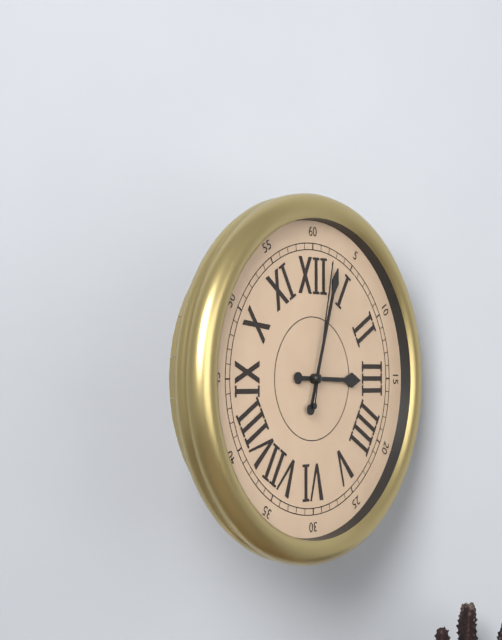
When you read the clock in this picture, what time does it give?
3:03:02
